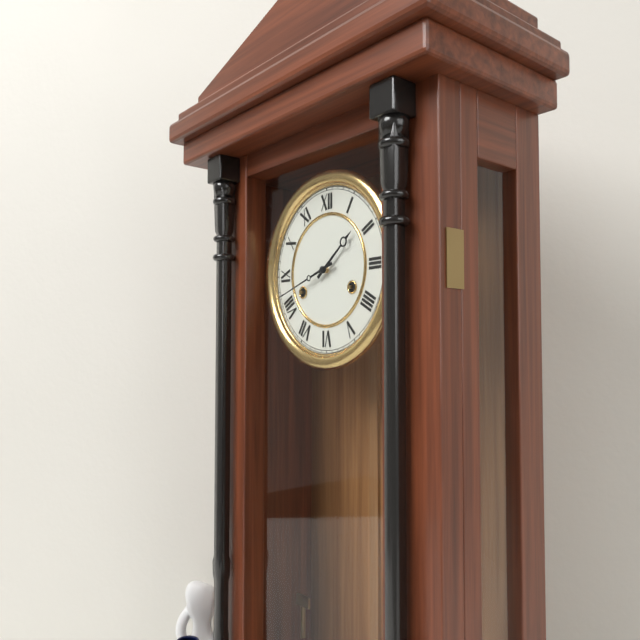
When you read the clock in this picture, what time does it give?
1:42
